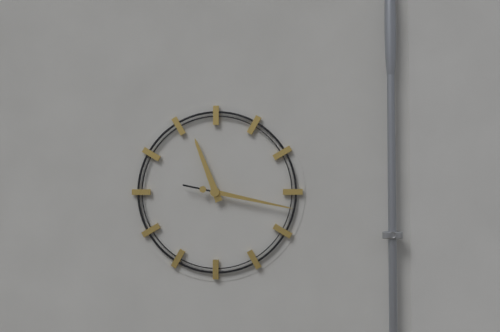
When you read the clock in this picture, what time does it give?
11:17
